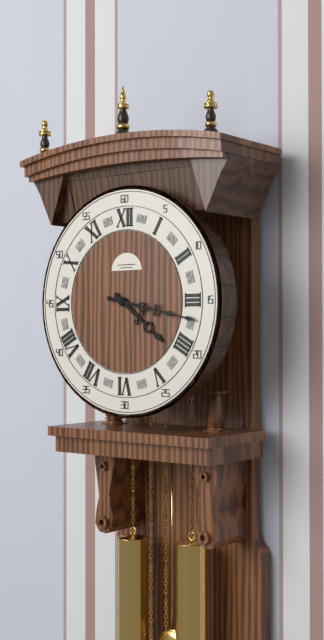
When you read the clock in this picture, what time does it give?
4:17
